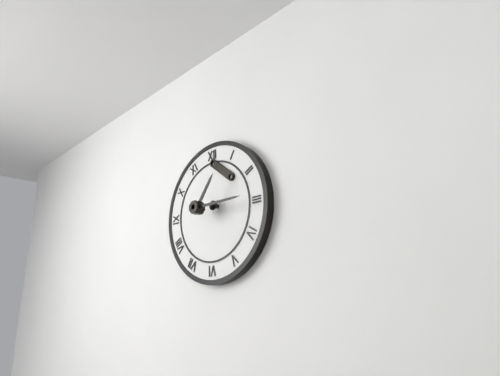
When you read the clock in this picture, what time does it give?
1:15
